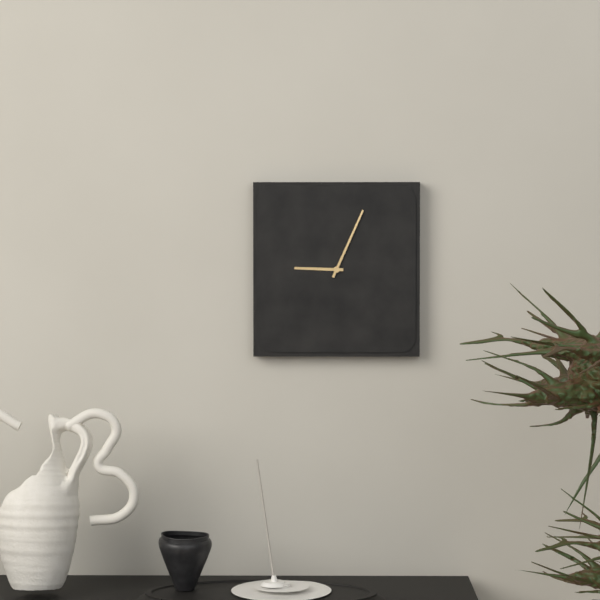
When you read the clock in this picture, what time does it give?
9:04
